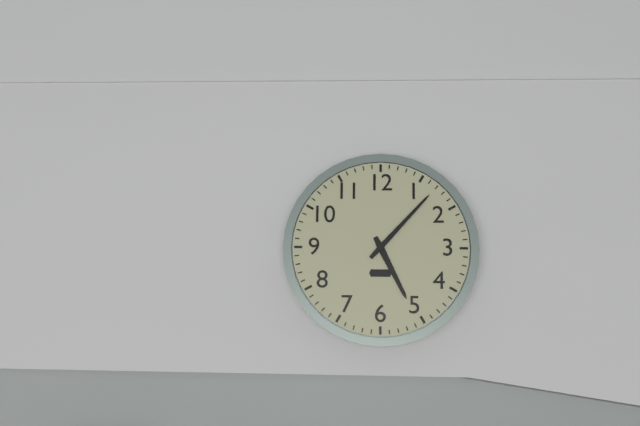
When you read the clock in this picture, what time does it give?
5:07
